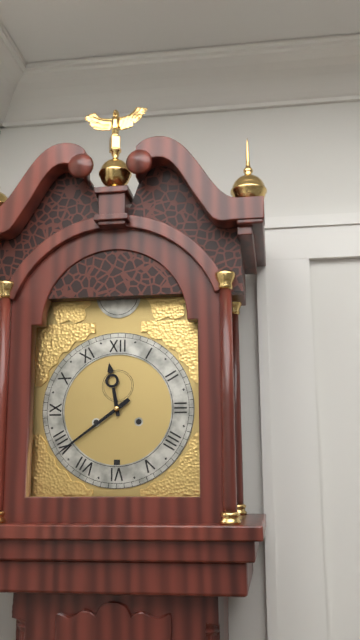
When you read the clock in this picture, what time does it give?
11:39
